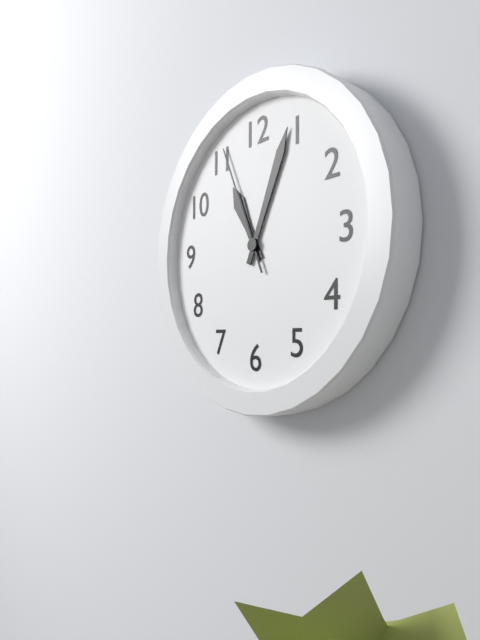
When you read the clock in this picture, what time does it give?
11:04:56
